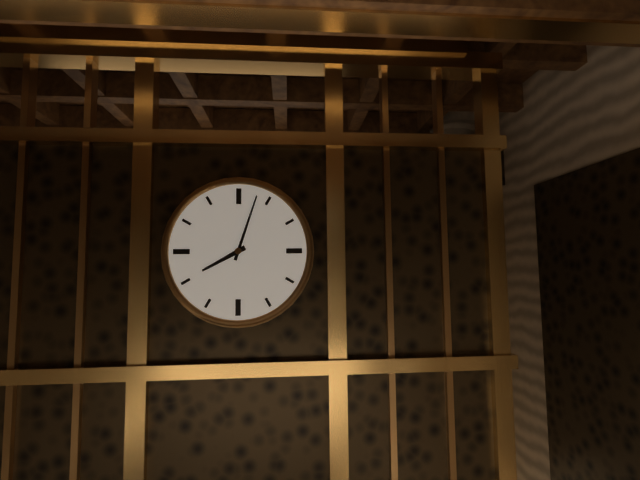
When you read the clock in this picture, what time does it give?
8:03
